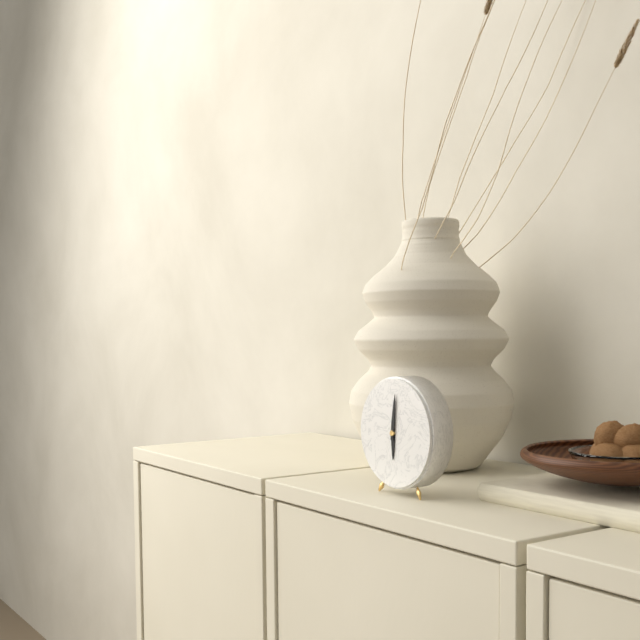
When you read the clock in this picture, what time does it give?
6:01
